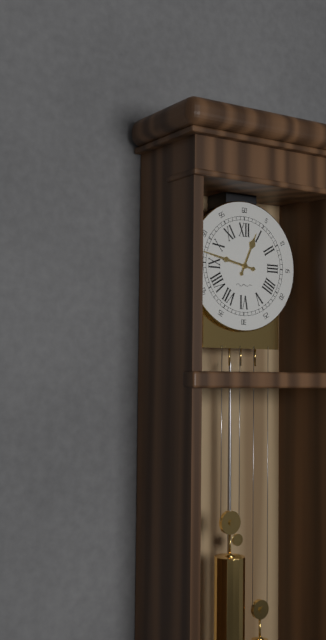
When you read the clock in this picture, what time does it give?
12:47
